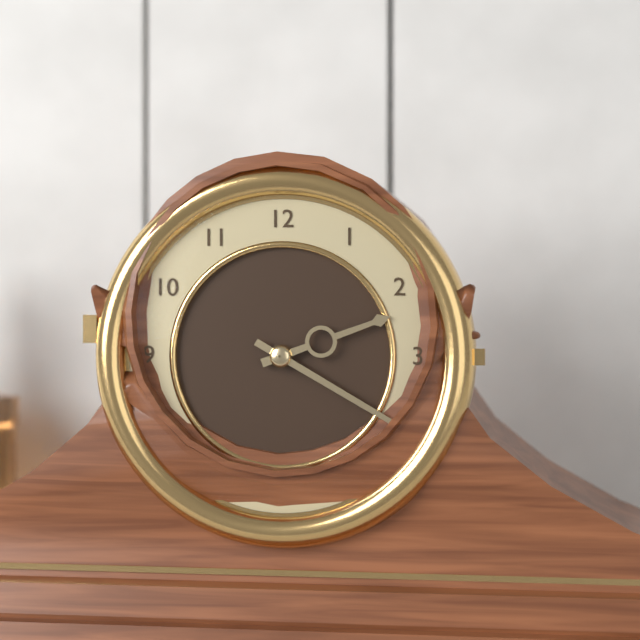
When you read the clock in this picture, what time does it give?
2:20
